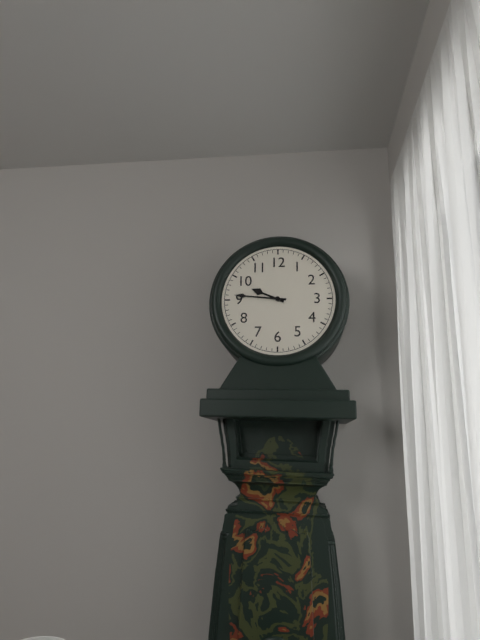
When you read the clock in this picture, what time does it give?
9:46
